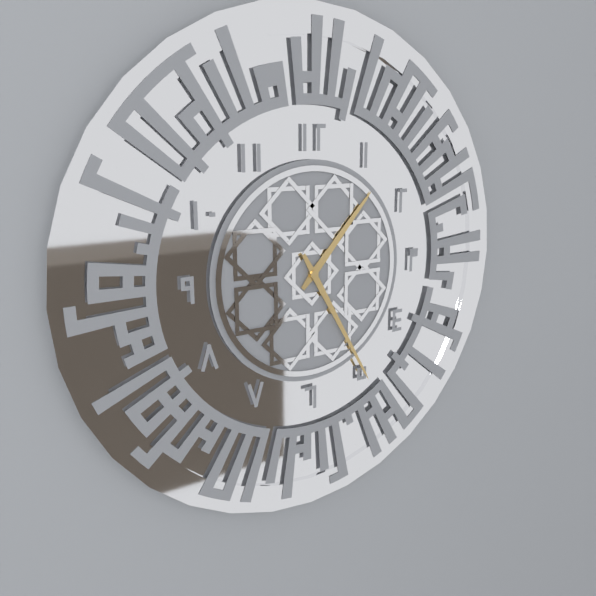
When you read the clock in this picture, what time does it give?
1:25
